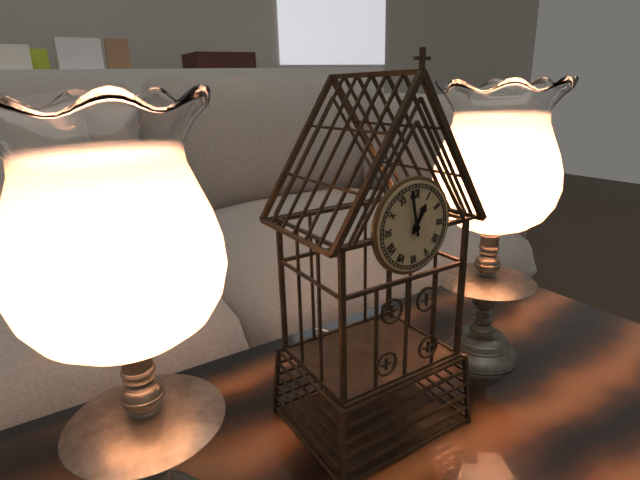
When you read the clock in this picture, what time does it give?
12:58
